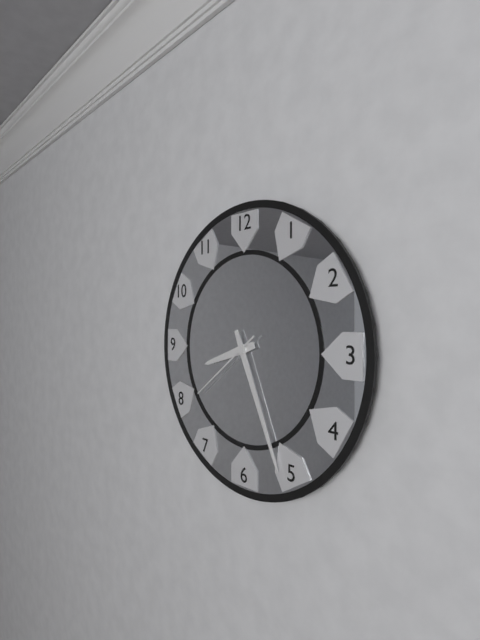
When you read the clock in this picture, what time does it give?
8:26:39
